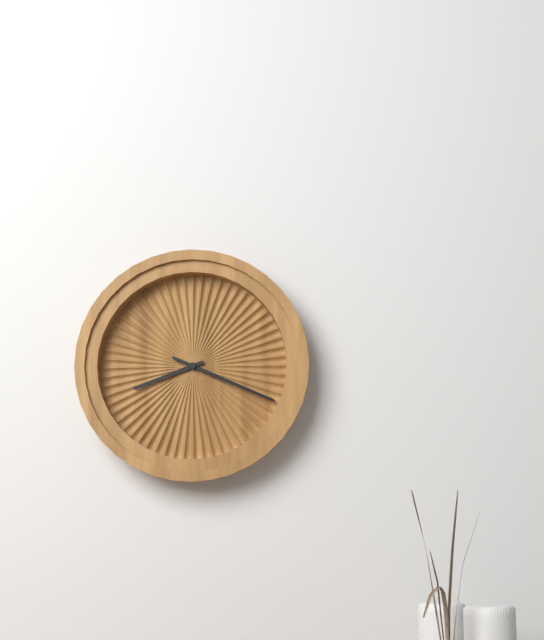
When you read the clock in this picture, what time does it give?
8:19
